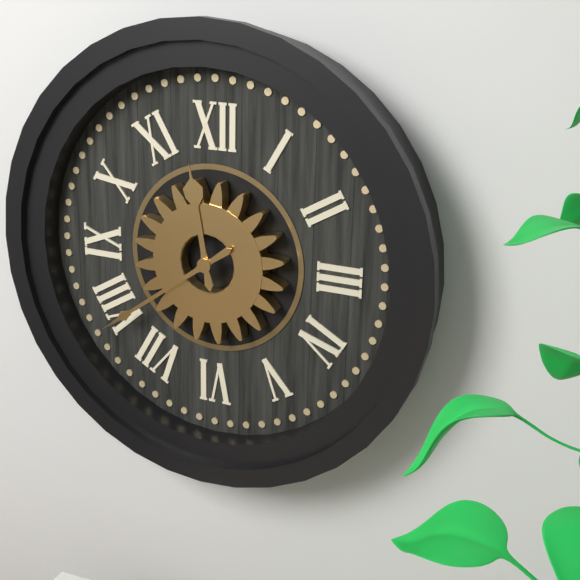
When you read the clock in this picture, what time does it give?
11:39
